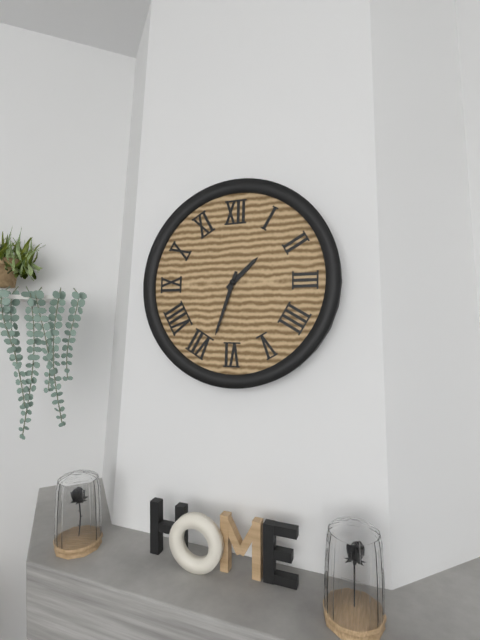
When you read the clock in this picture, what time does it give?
1:33
